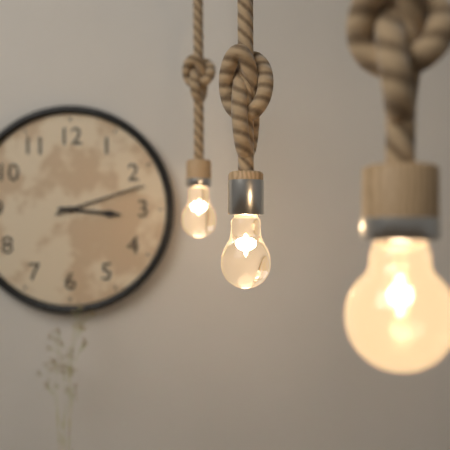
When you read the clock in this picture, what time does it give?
3:12
